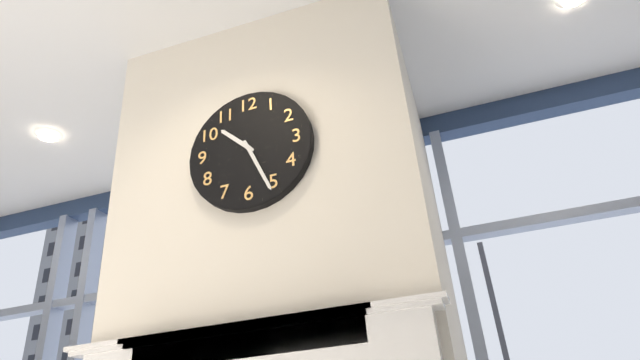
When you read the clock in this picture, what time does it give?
10:26
